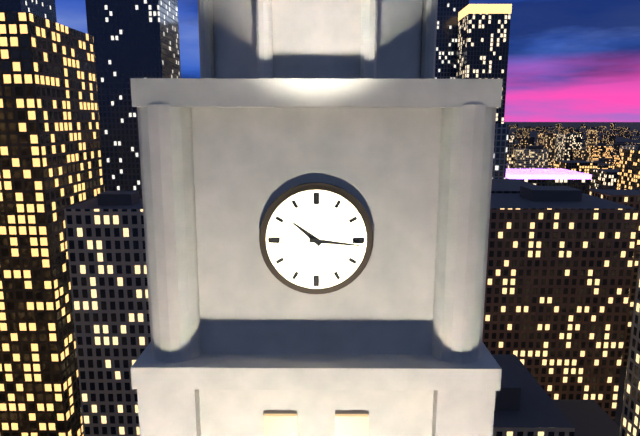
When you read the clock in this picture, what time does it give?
10:16
